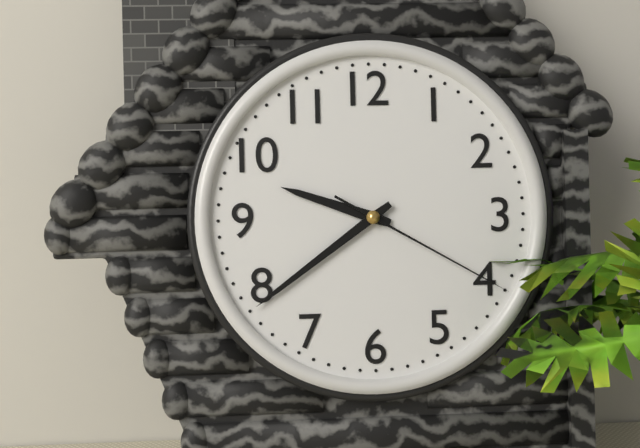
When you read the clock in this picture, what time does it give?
9:39:20
